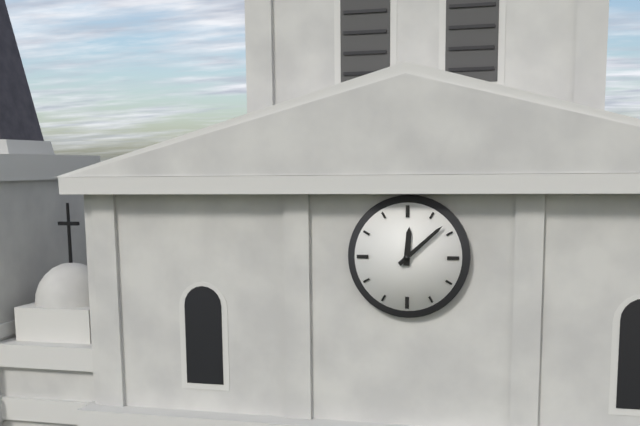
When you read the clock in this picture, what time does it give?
12:08
